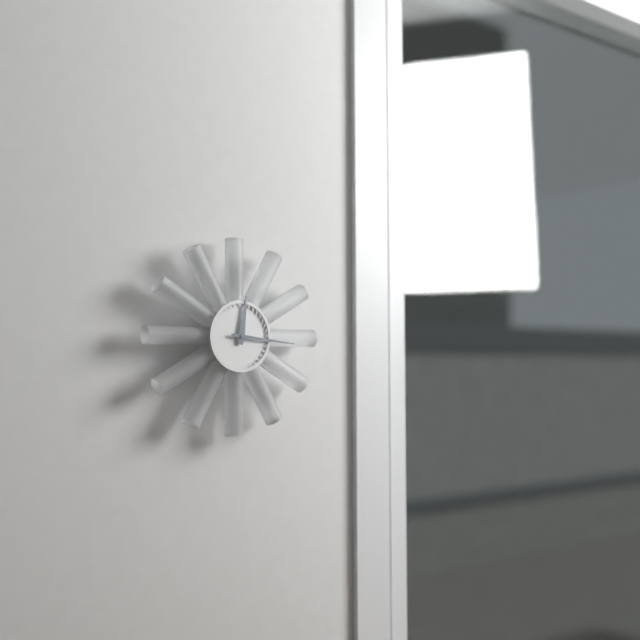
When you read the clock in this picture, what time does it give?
12:16
